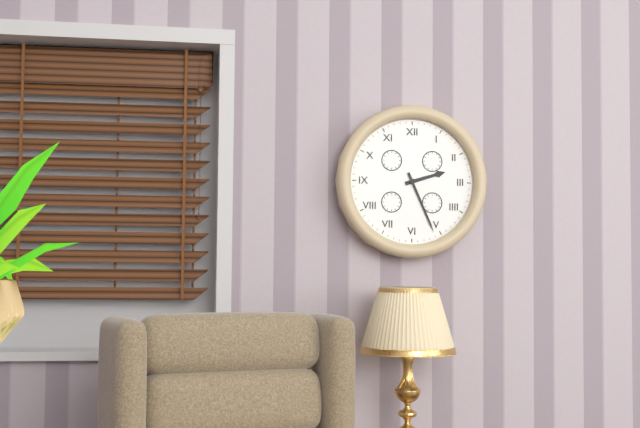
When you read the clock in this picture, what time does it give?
2:26
